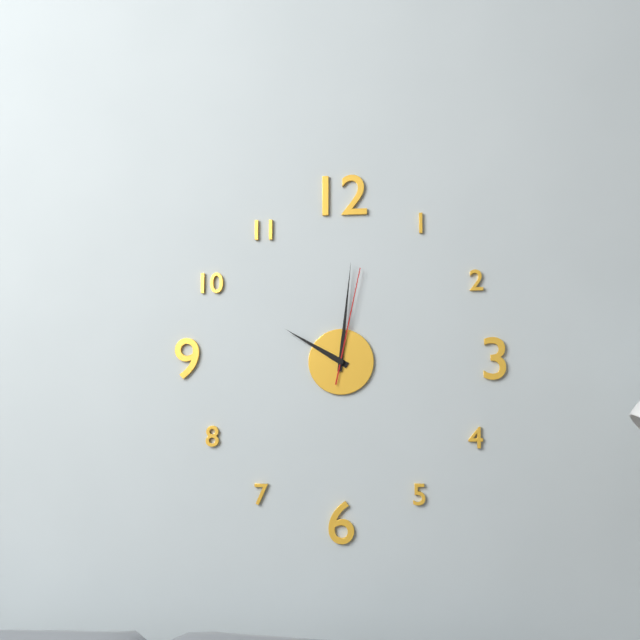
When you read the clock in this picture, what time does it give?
10:01:02
